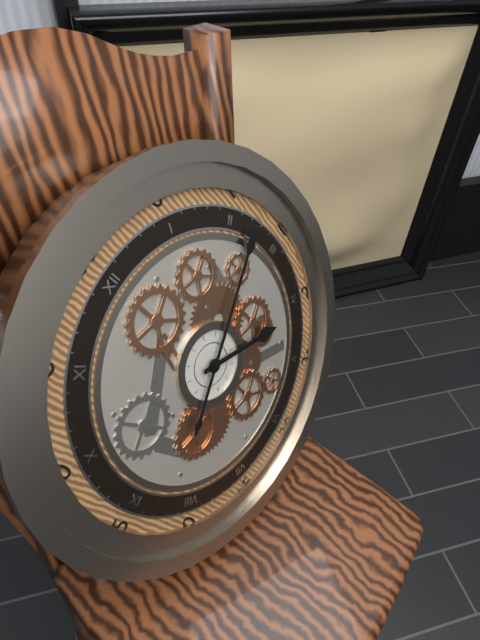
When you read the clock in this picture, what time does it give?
4:12
